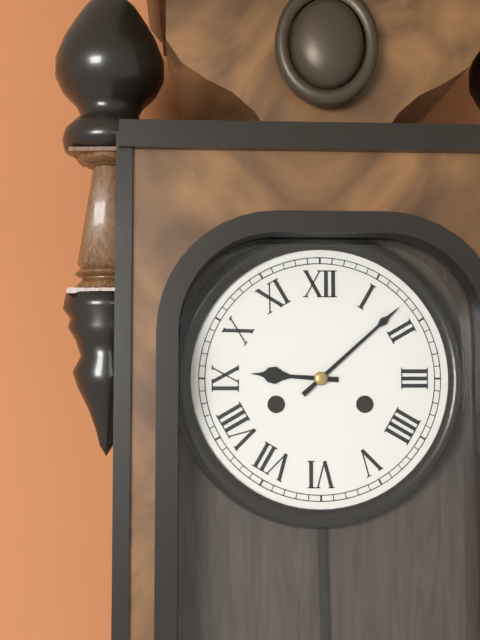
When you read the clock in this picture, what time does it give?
9:08
